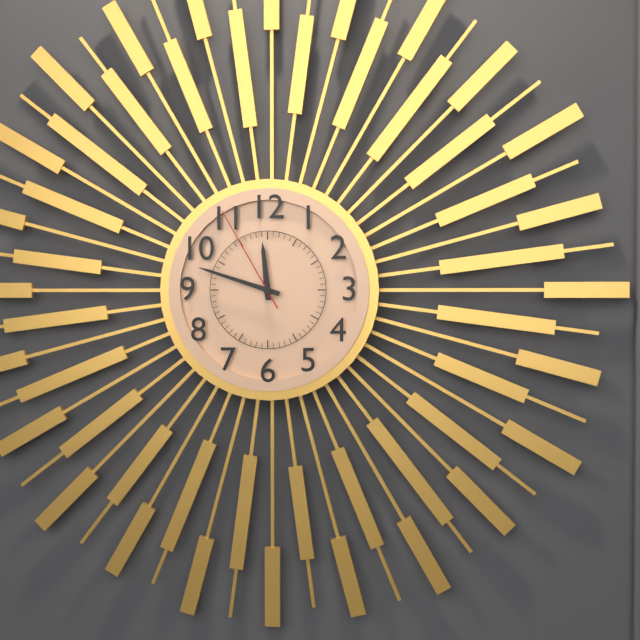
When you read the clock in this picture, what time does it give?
11:48:55
